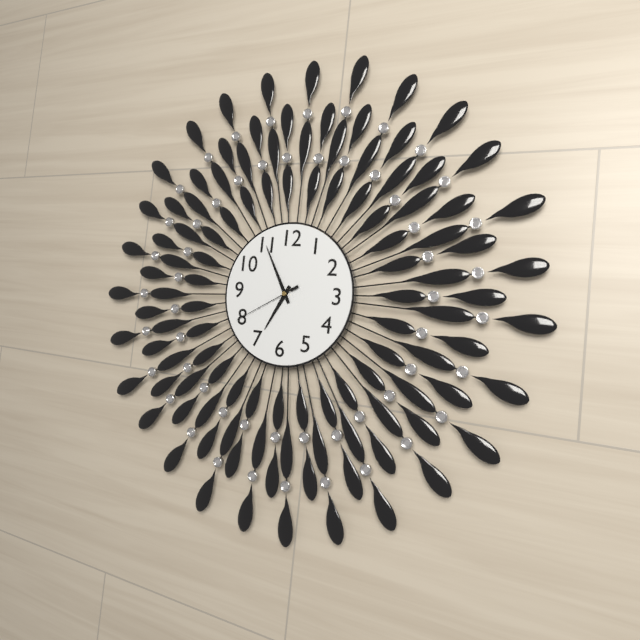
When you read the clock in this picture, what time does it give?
6:55:40
